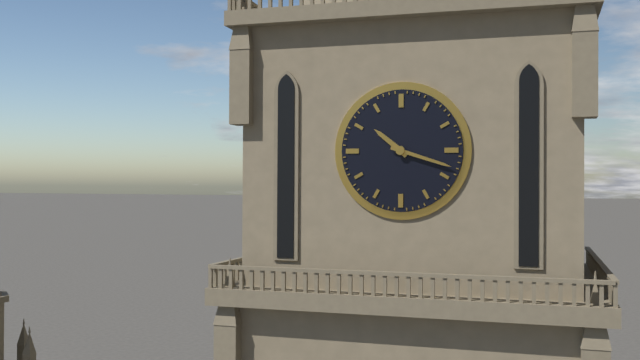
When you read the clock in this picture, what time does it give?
10:18
